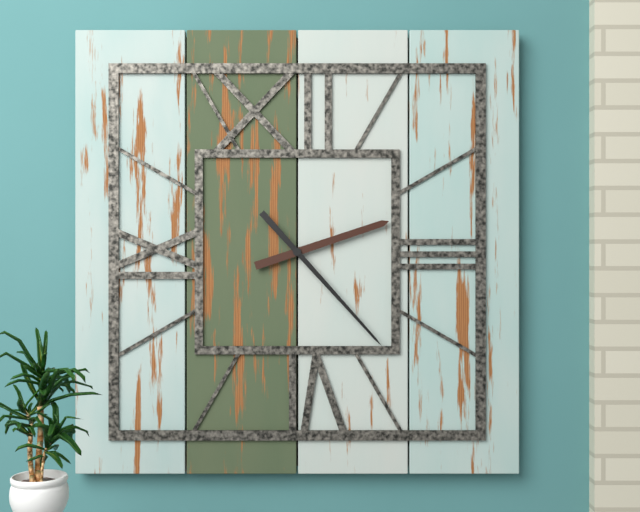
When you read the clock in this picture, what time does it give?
2:23
